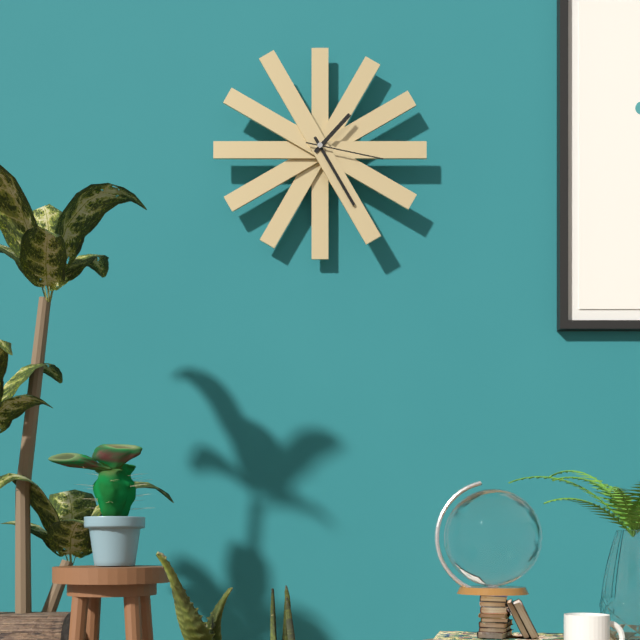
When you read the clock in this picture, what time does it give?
1:25:17
